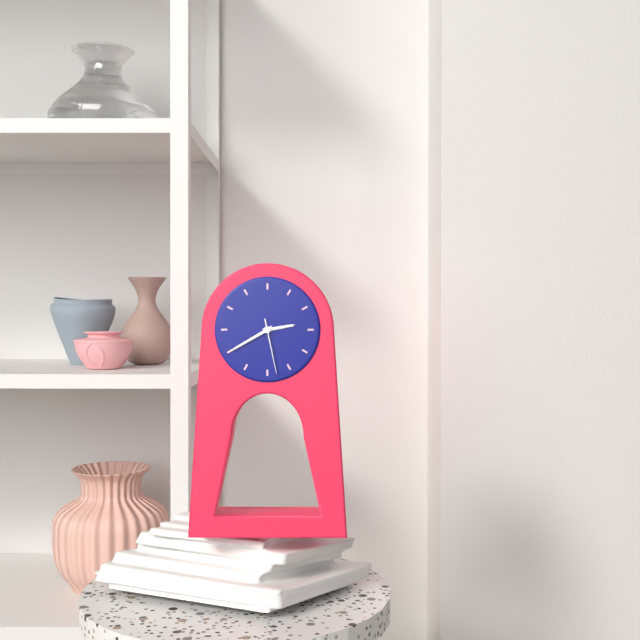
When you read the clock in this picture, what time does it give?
2:40:28
